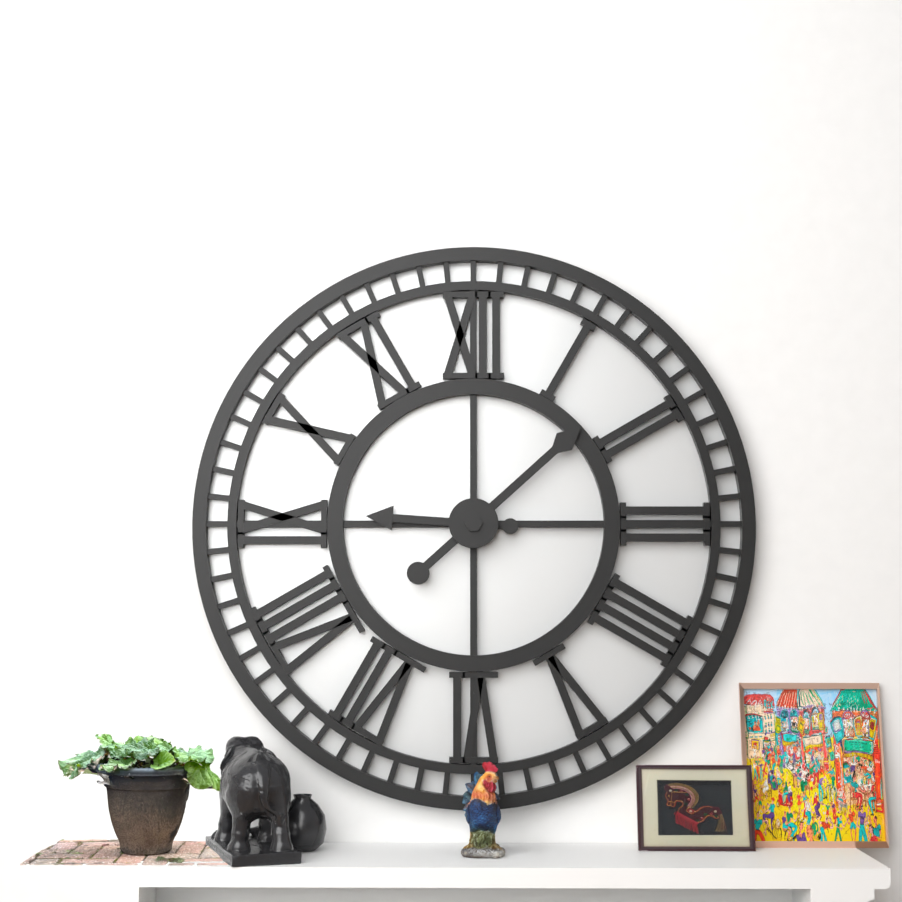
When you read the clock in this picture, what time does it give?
9:08
